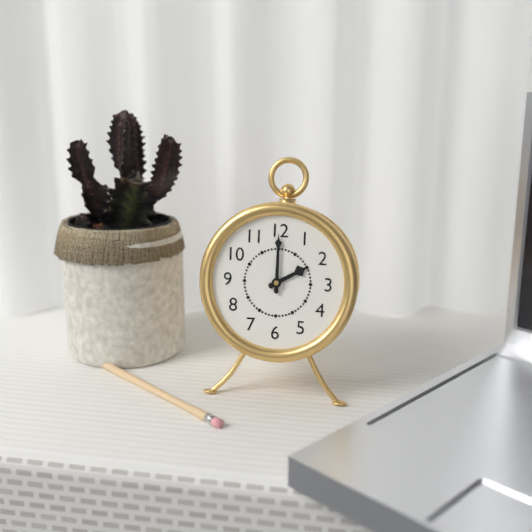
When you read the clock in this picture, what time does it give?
2:00
